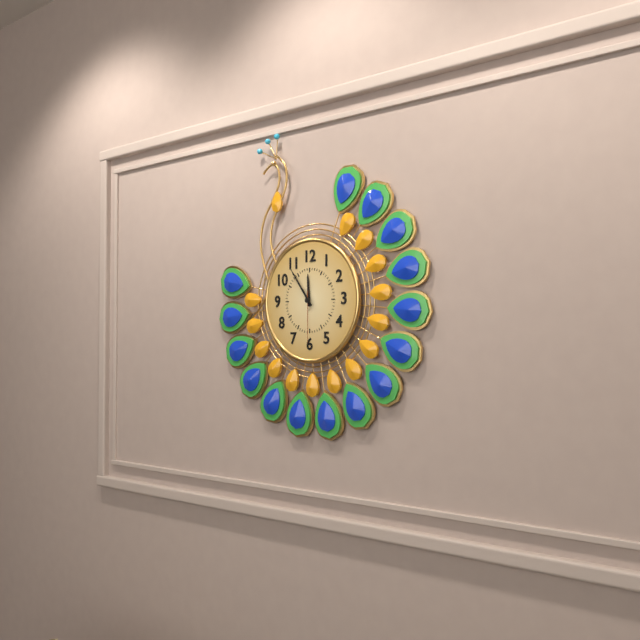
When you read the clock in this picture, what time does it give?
11:54:30
